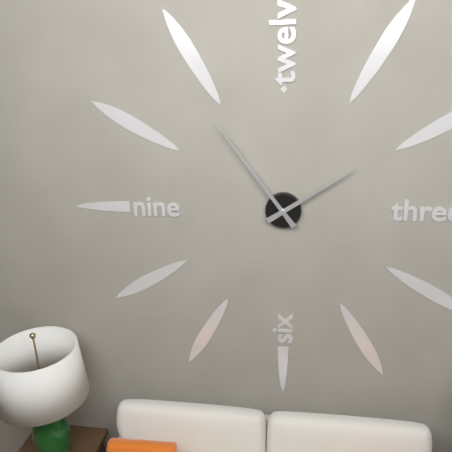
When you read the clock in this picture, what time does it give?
1:54
